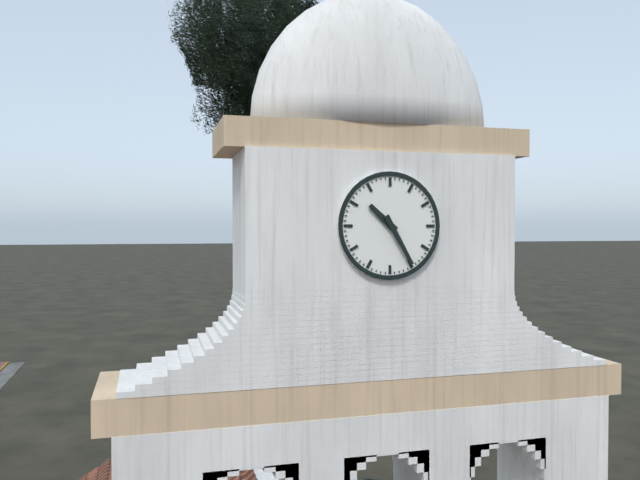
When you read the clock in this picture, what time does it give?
10:25
